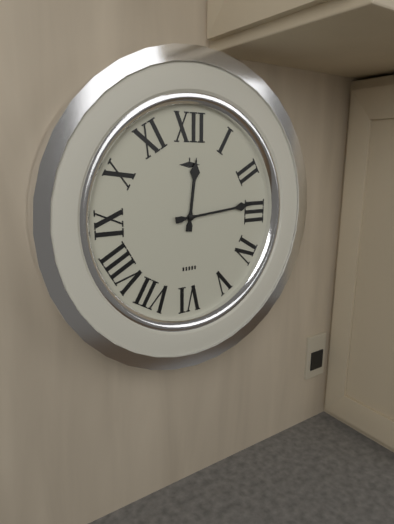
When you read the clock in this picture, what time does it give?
12:14
